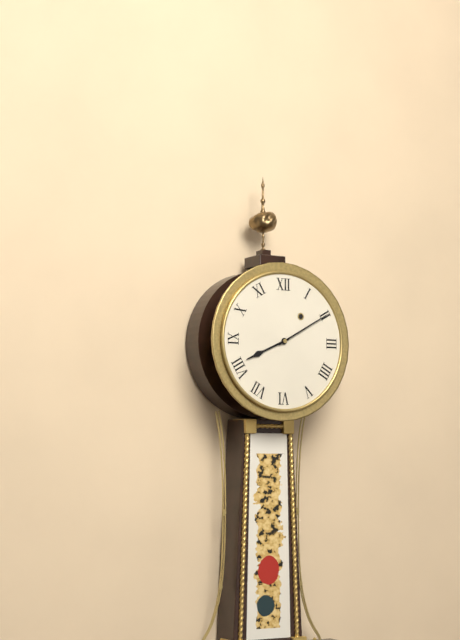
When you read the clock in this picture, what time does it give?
8:10
